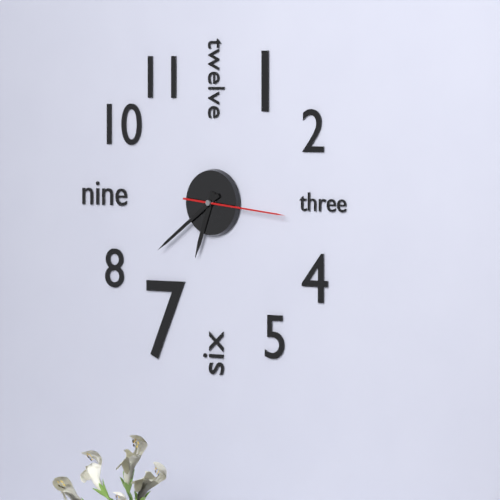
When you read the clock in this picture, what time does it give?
6:39:16
